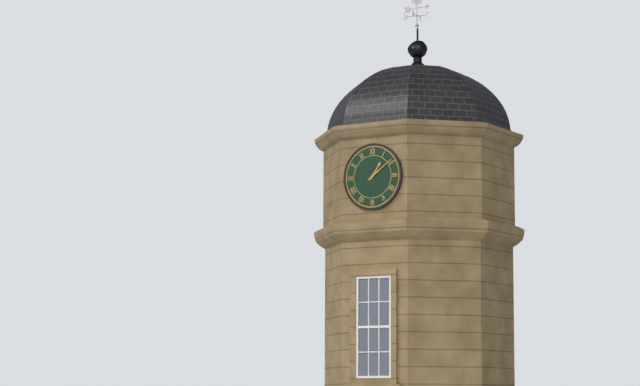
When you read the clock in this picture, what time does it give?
1:09
